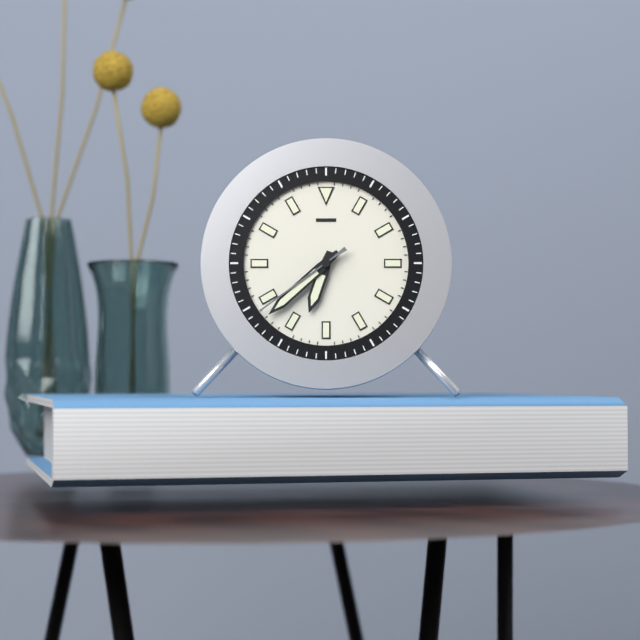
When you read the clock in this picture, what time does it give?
6:38:39
